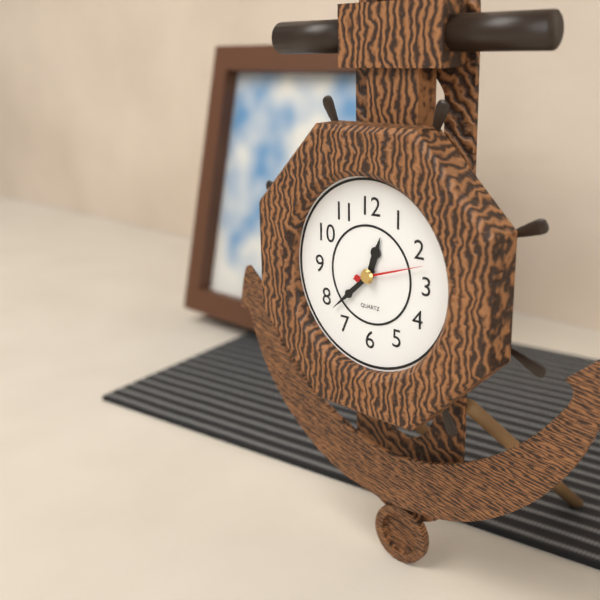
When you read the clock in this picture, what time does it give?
12:38:12
